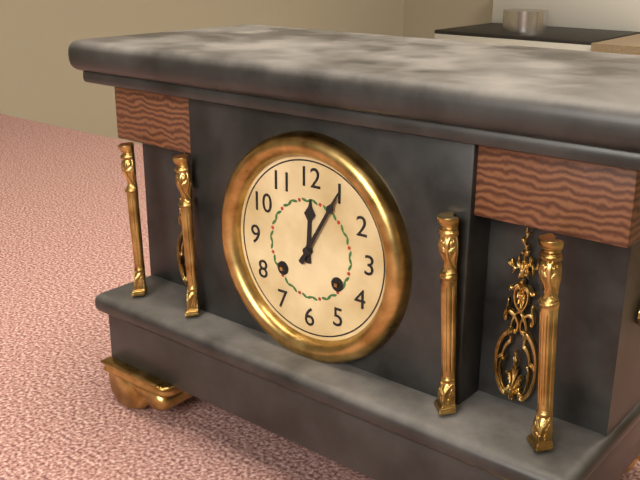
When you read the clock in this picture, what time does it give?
12:05
